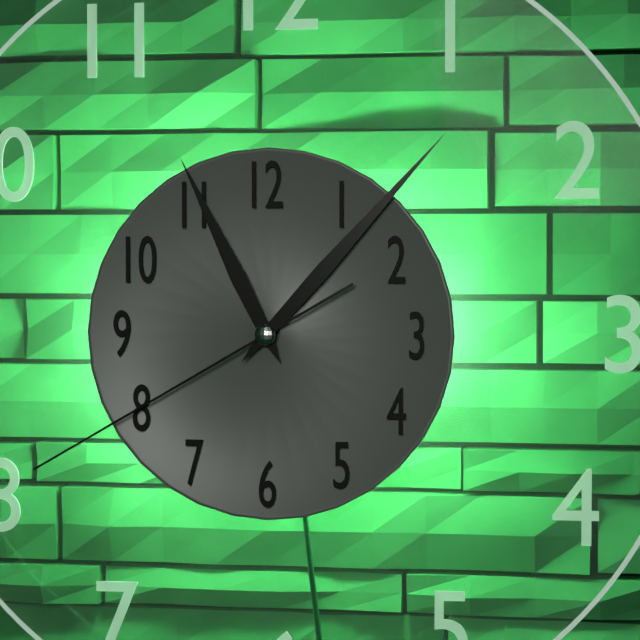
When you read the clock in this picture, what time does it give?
11:07:40
